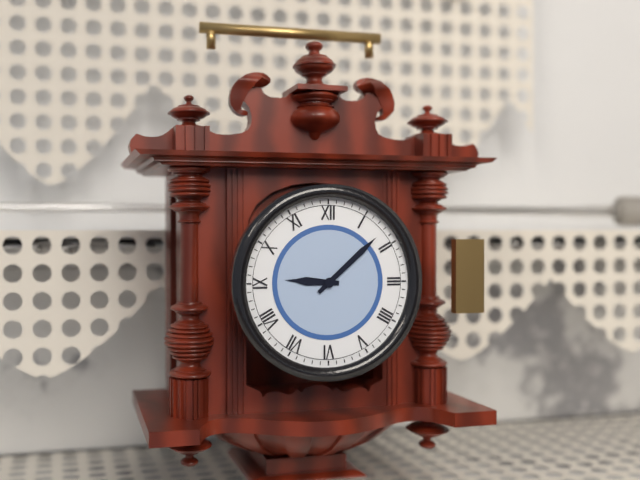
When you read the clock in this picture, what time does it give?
9:08
